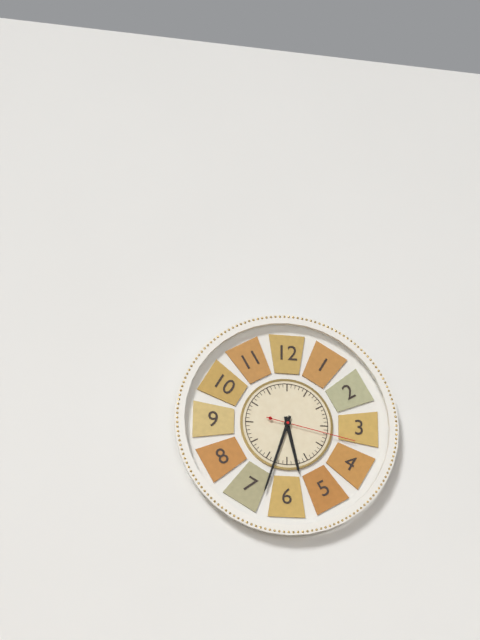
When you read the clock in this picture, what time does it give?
5:33:17
